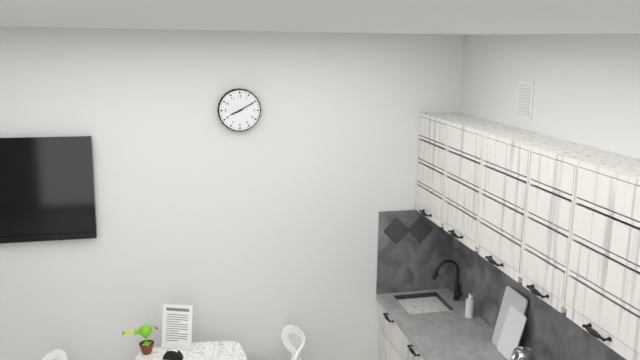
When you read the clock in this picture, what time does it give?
8:10
